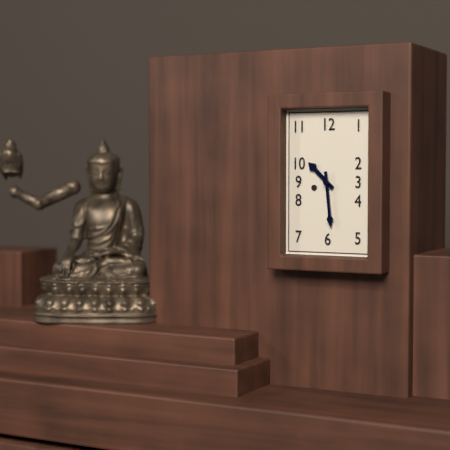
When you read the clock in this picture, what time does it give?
10:29
